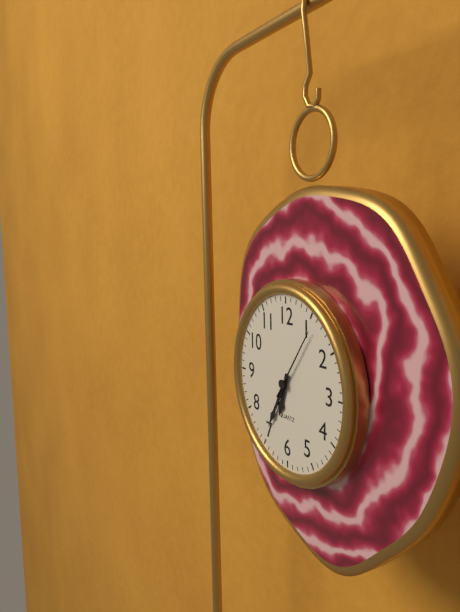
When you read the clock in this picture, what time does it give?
6:35:06
